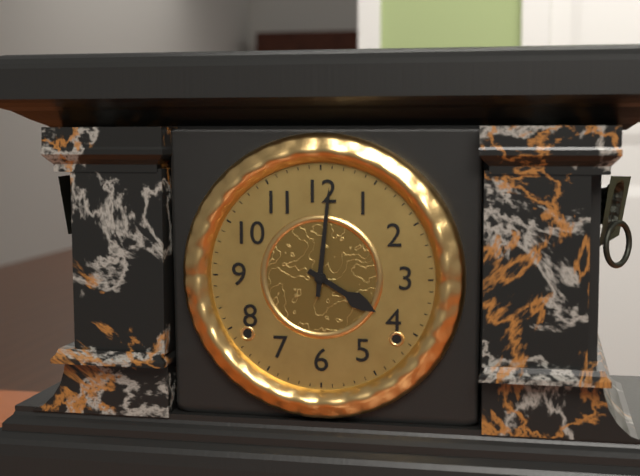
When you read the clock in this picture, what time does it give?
4:01
